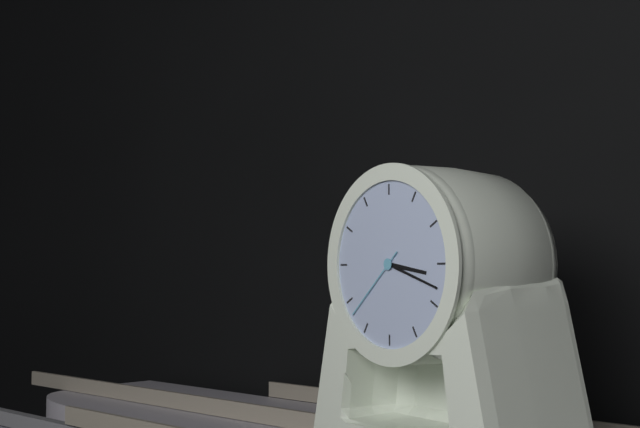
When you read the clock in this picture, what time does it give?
3:18:38
